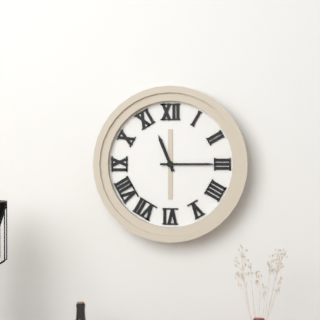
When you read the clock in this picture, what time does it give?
11:15
